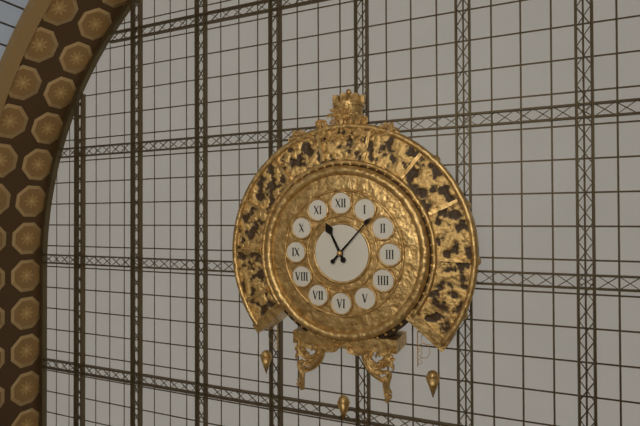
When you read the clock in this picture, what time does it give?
11:07
